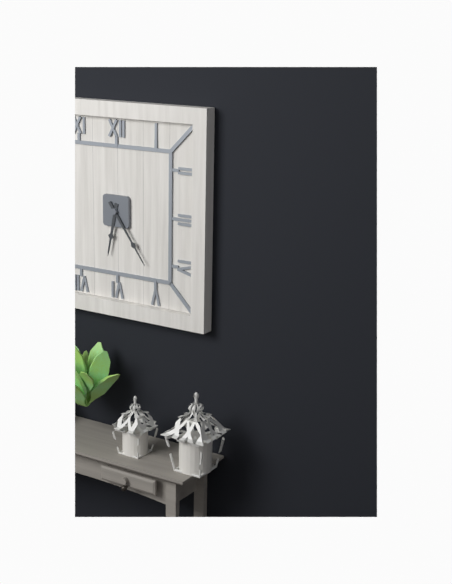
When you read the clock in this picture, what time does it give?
6:24
